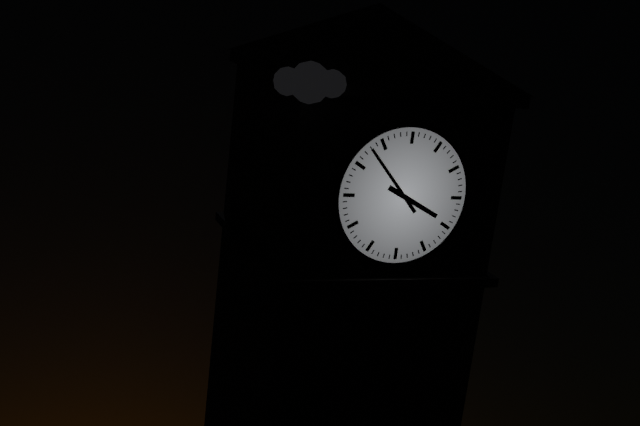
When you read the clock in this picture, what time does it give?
3:53
